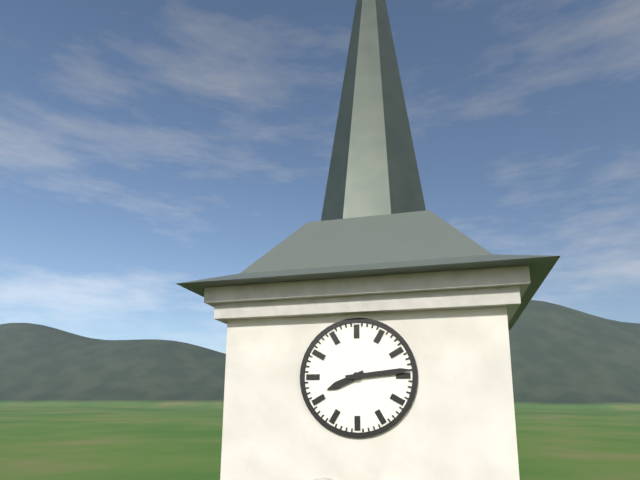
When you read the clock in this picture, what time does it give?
8:14
